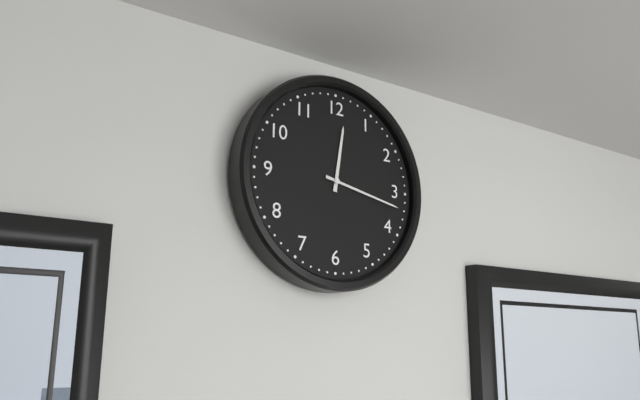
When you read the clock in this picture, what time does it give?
12:17
